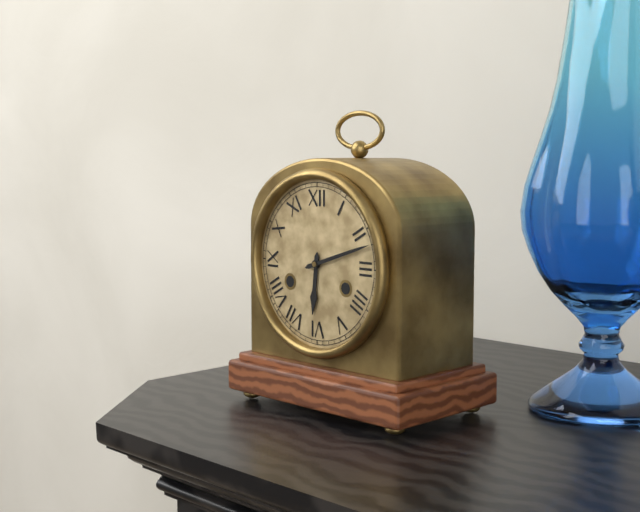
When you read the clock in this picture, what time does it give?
6:12
